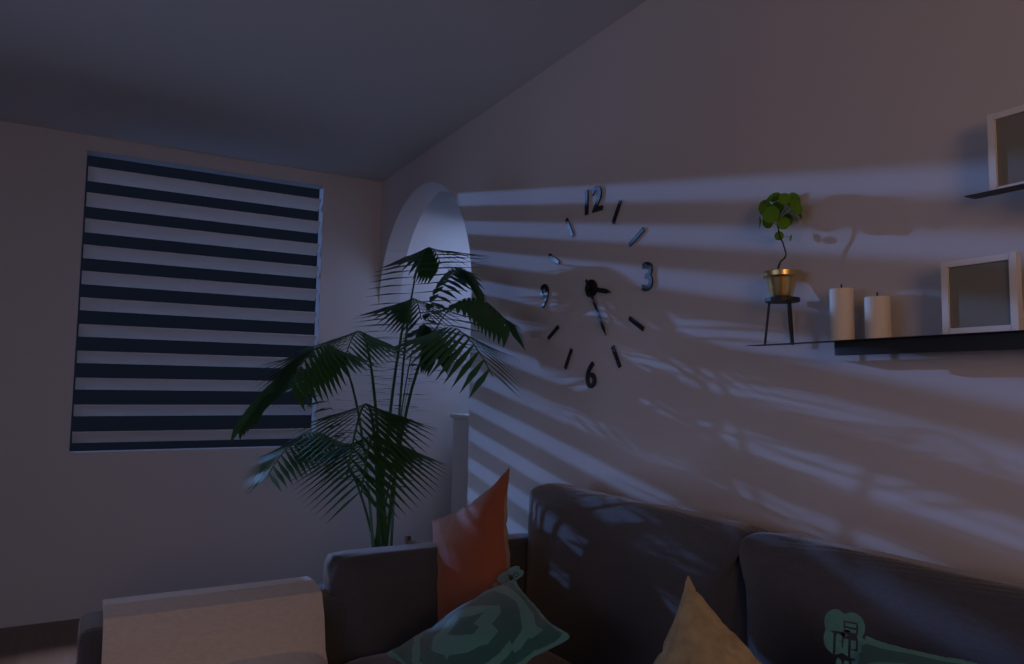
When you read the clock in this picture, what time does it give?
3:25
